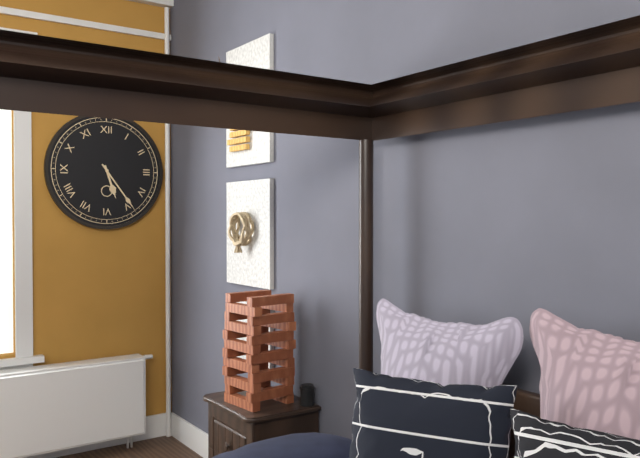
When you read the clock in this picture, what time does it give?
5:24
